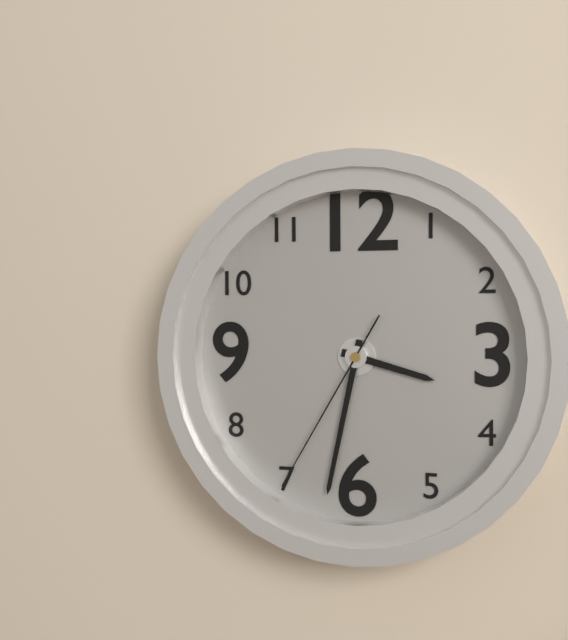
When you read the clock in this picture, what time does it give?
3:32:35
